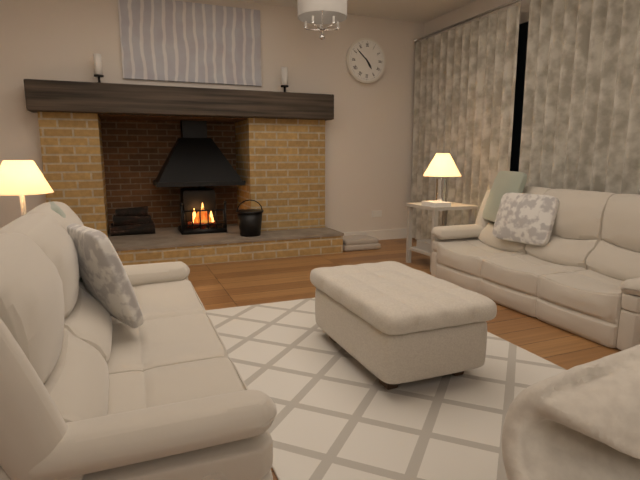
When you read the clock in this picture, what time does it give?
4:52
